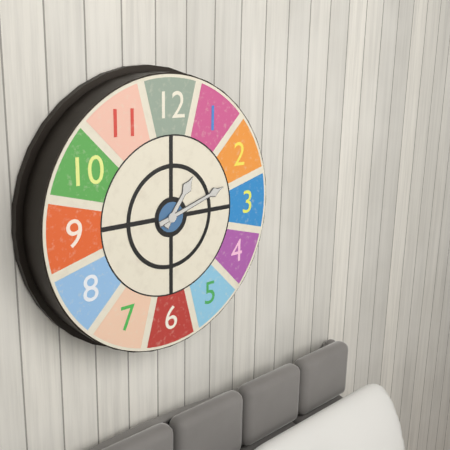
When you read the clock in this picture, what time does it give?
1:12
